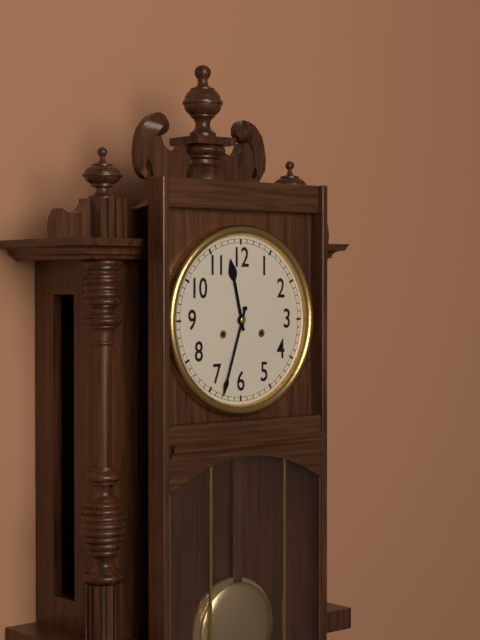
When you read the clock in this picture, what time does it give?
11:33
